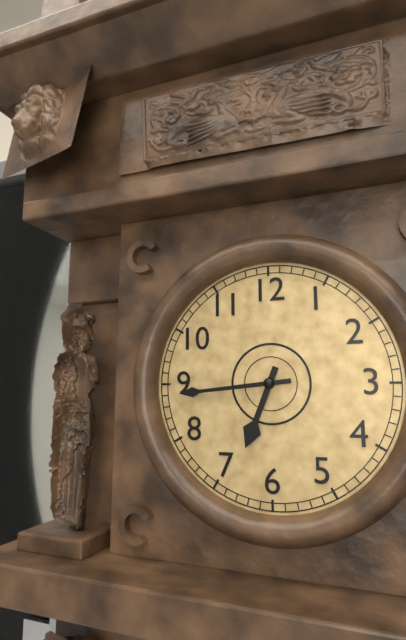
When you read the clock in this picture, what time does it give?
6:44
